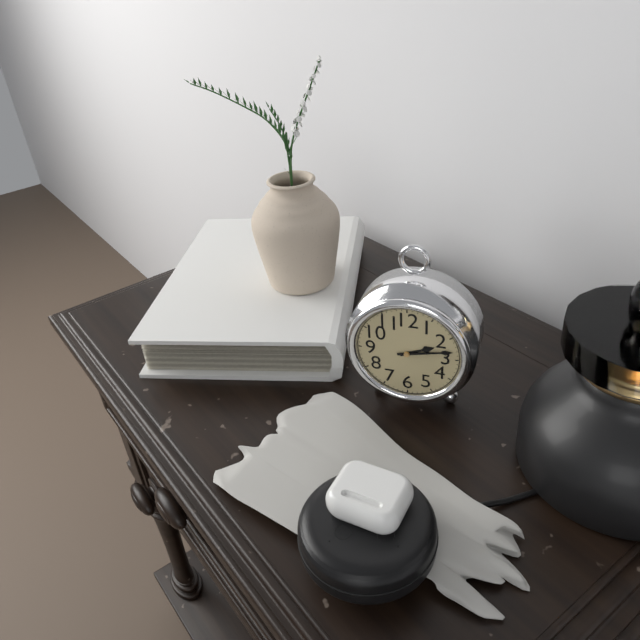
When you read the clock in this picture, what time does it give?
2:13
